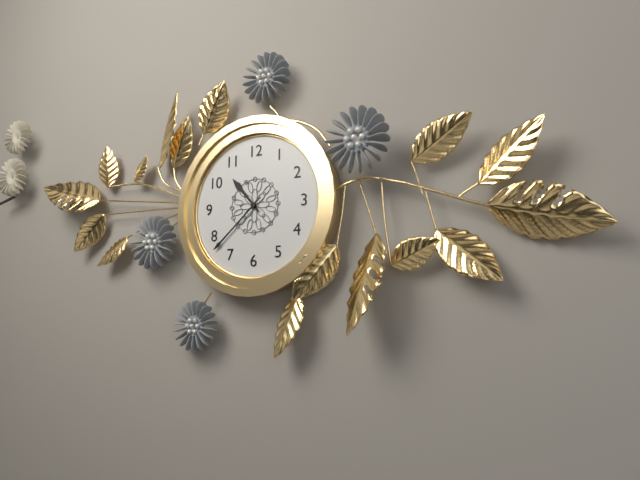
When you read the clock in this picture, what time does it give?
10:38
